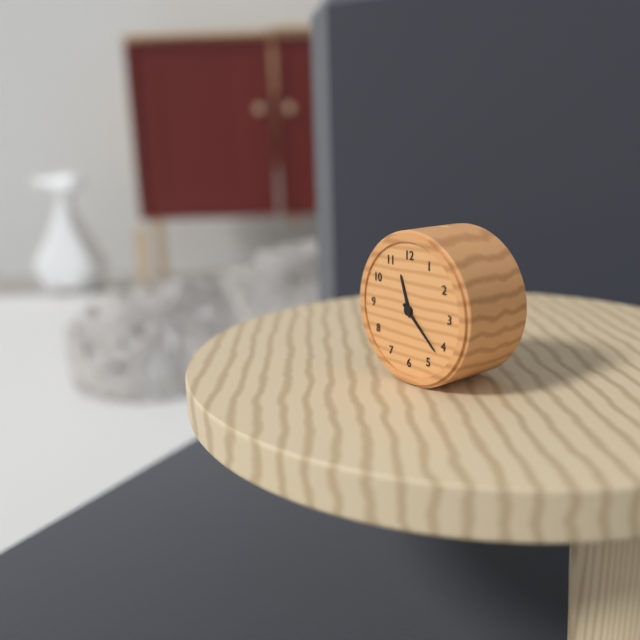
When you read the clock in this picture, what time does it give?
11:22
